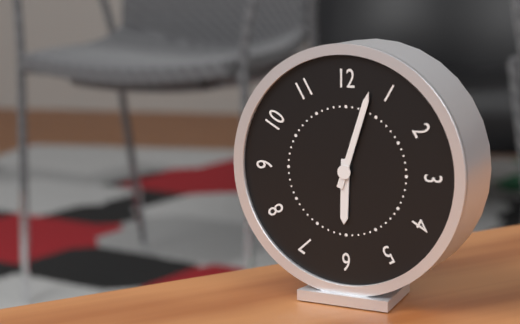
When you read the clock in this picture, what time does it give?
6:03
